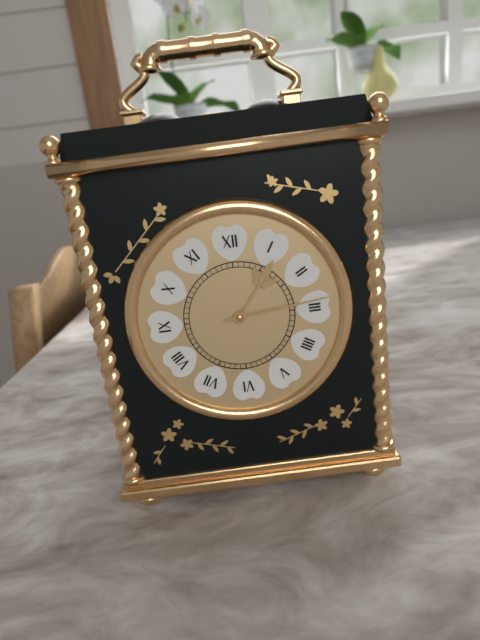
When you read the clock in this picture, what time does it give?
1:14
